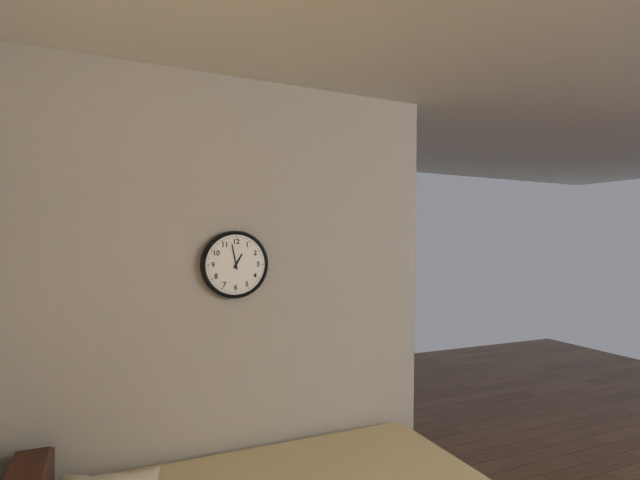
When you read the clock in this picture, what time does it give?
12:58
